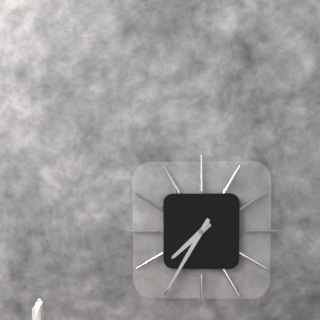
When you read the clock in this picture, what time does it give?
7:35
